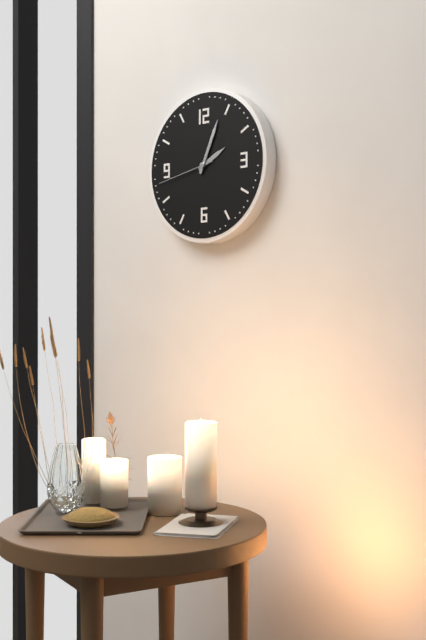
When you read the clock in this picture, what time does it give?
2:04:43
